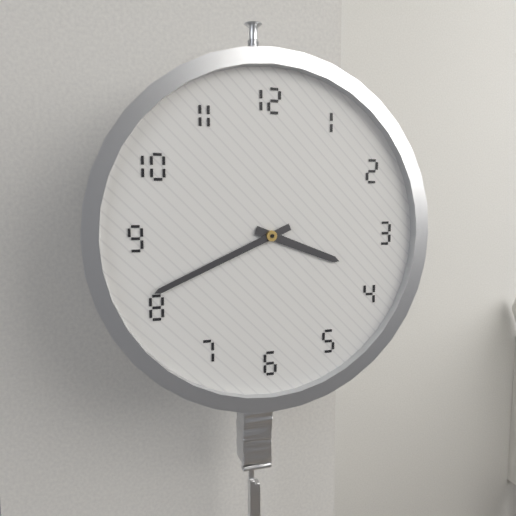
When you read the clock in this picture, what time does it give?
3:41
